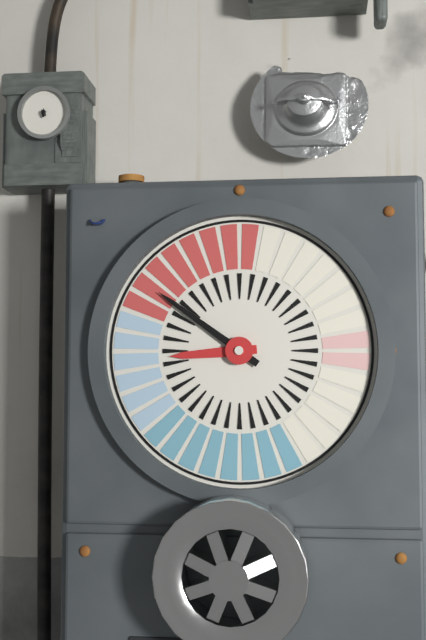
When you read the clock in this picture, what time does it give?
8:51
